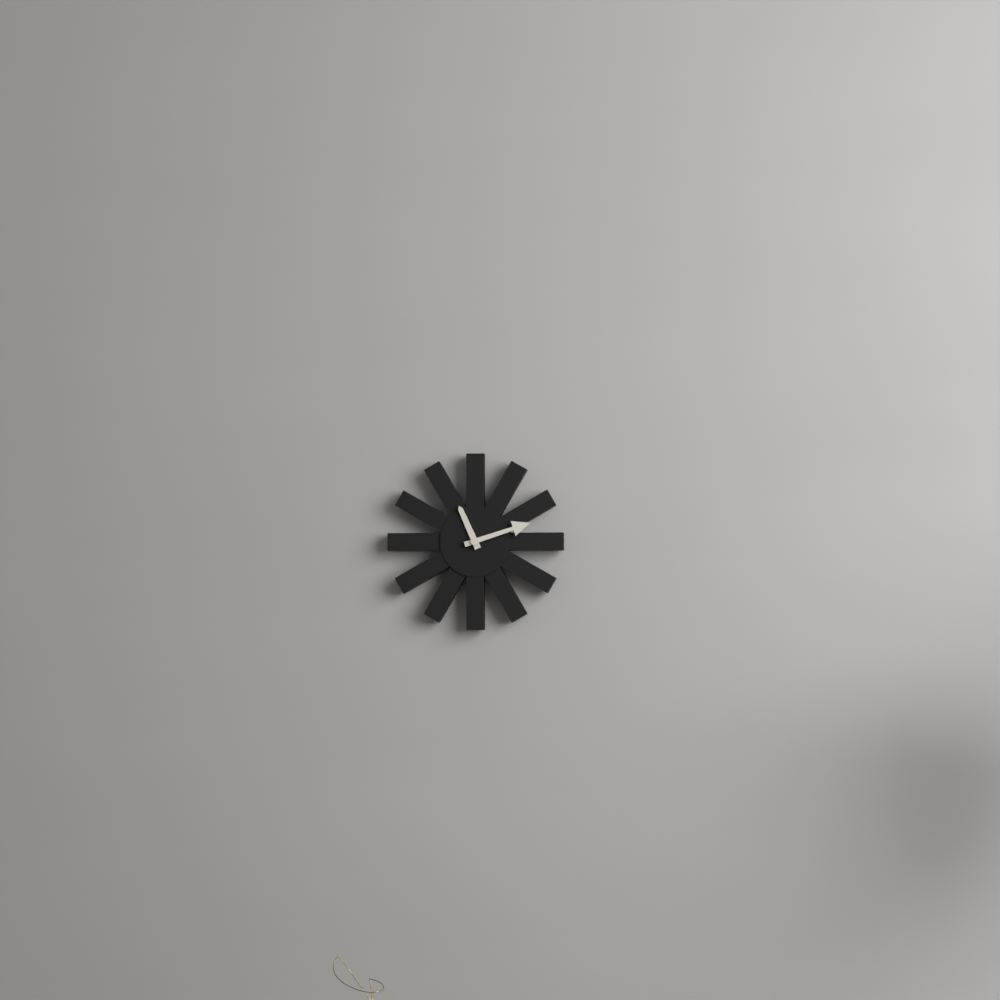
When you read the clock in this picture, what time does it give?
11:12
